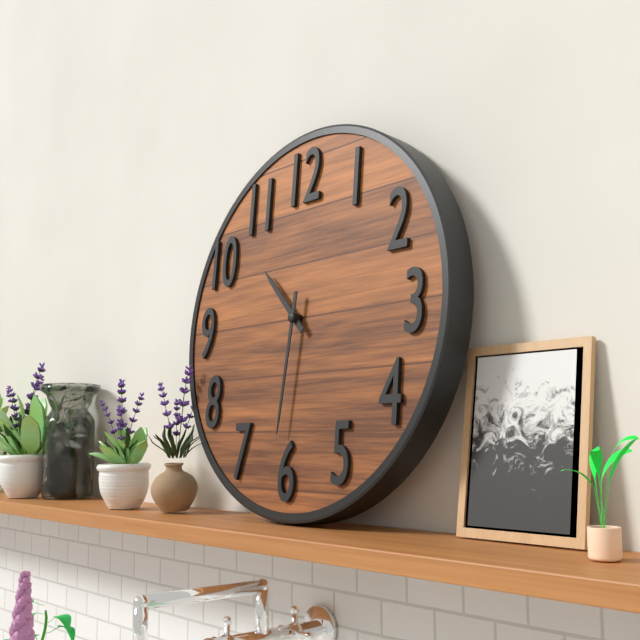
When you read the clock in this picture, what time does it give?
10:31
